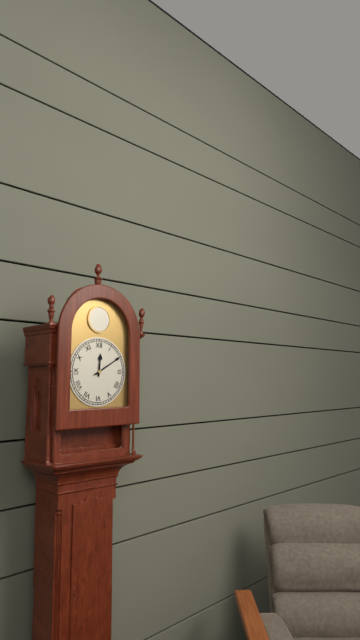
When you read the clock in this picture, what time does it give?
12:10
